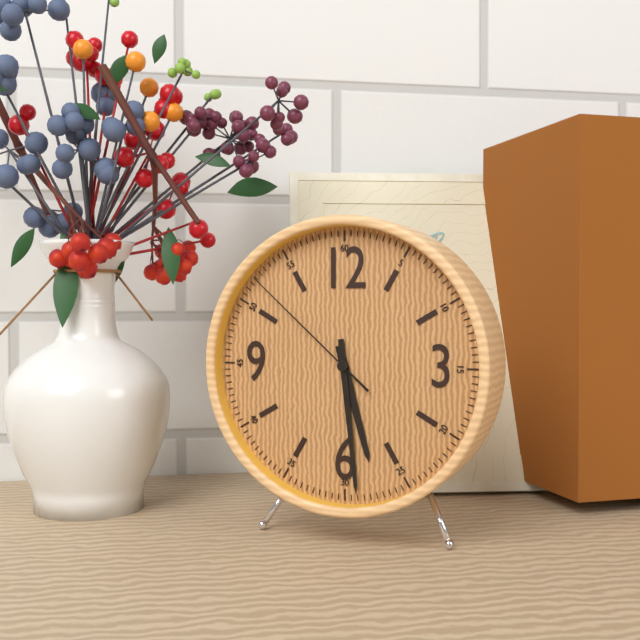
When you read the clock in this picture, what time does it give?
5:29:52
